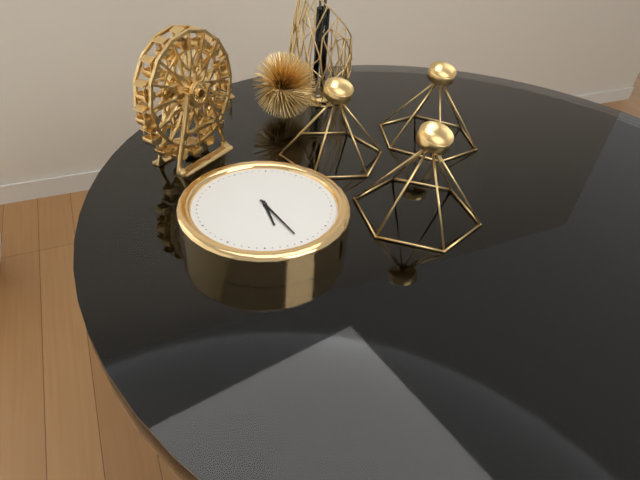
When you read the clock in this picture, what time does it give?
6:30
